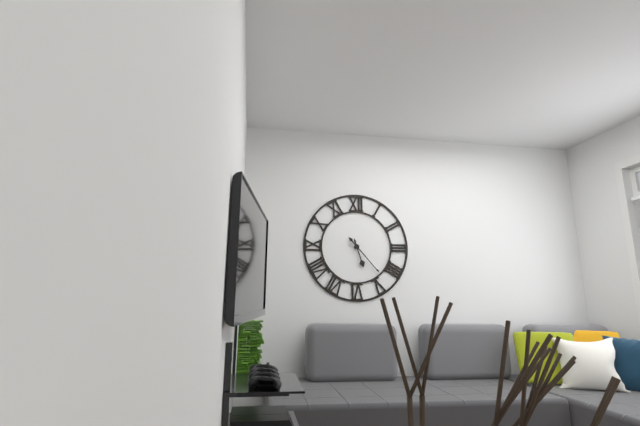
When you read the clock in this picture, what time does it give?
5:23
